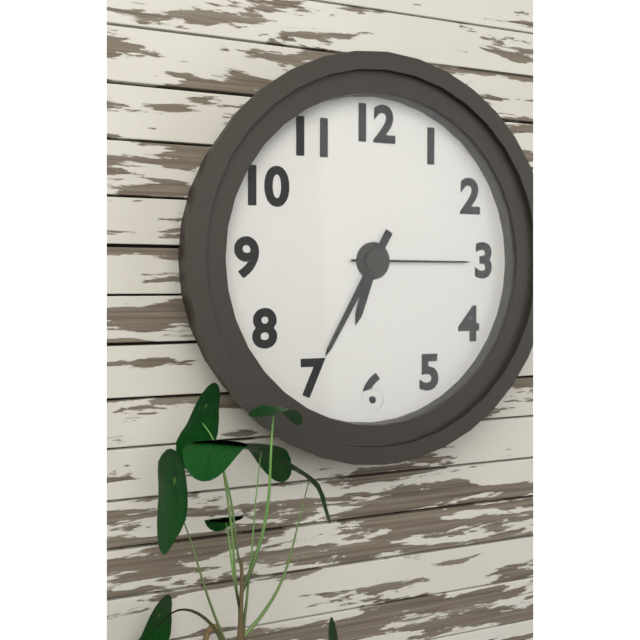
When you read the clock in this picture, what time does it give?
6:35:15
